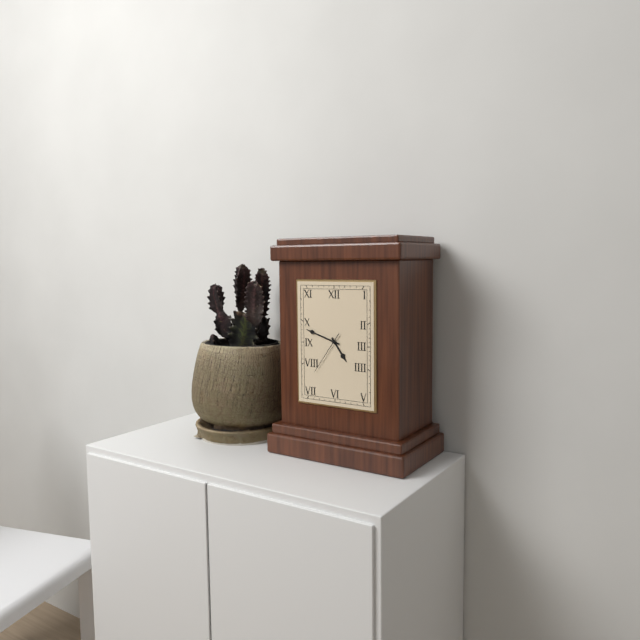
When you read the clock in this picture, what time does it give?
4:48:36
